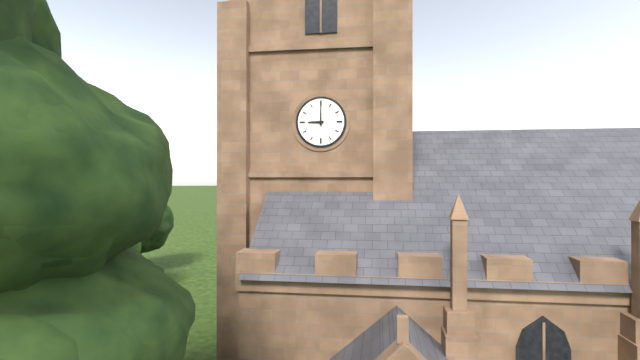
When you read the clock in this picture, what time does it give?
9:00
